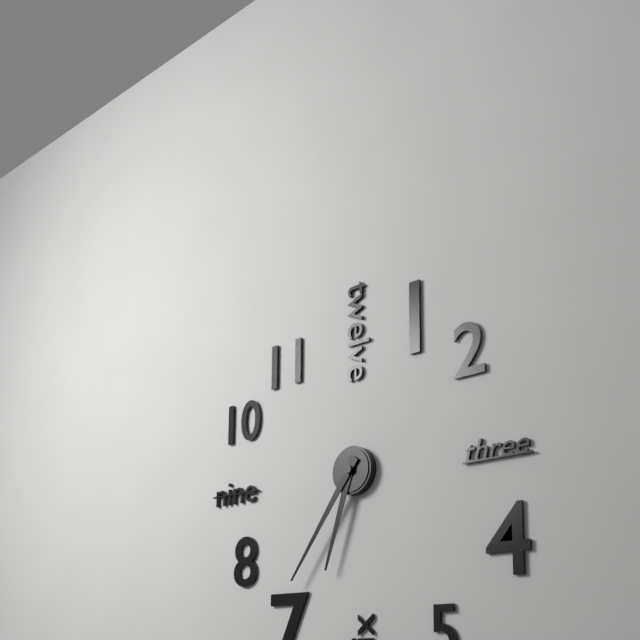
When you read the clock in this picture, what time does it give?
6:36
